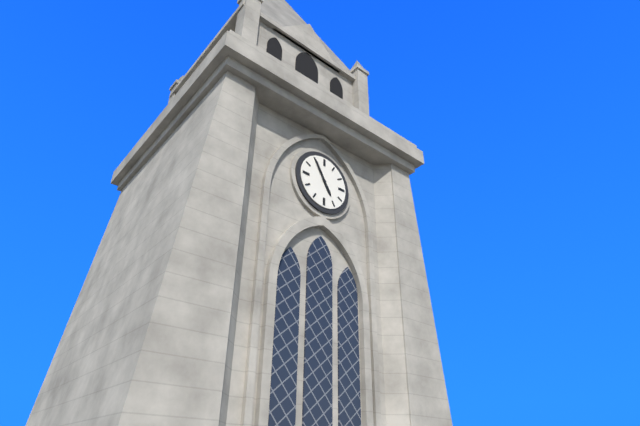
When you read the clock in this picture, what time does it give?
4:55
